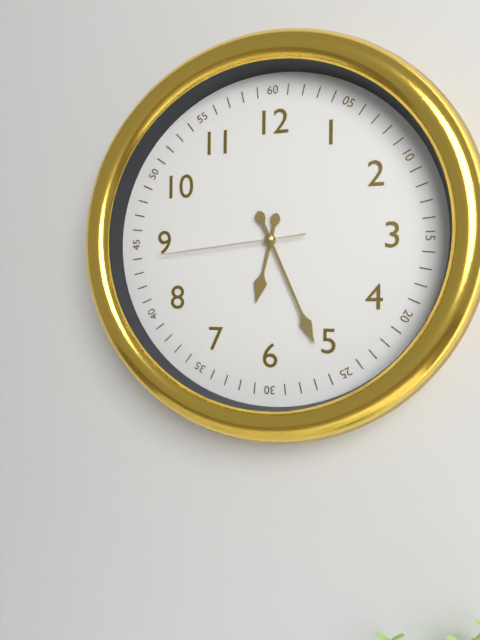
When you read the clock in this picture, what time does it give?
6:26:44
